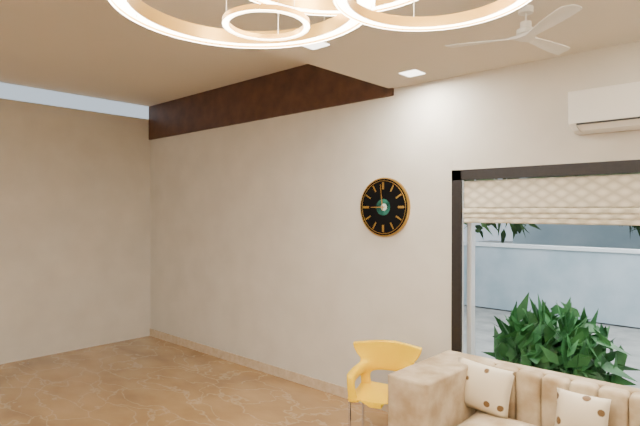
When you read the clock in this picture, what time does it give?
8:59
